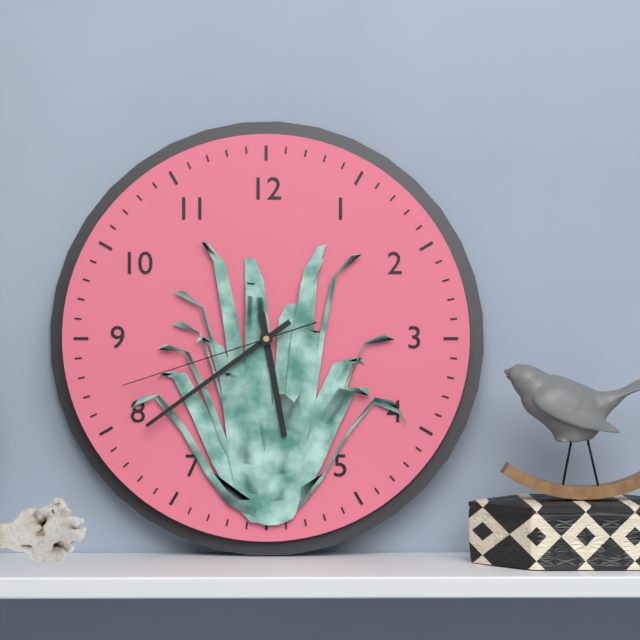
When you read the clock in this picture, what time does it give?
5:39:42
